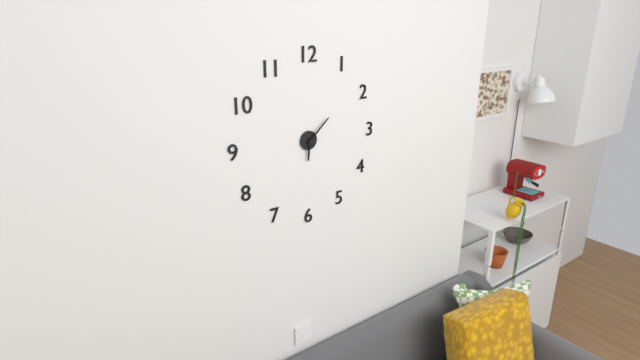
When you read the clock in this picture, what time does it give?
6:08
